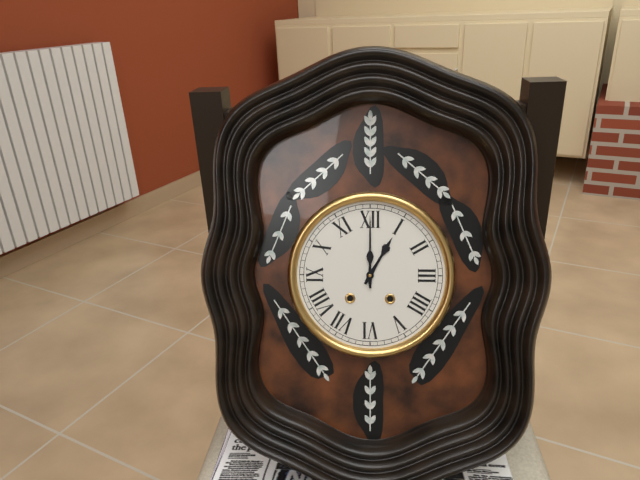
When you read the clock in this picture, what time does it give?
1:00
